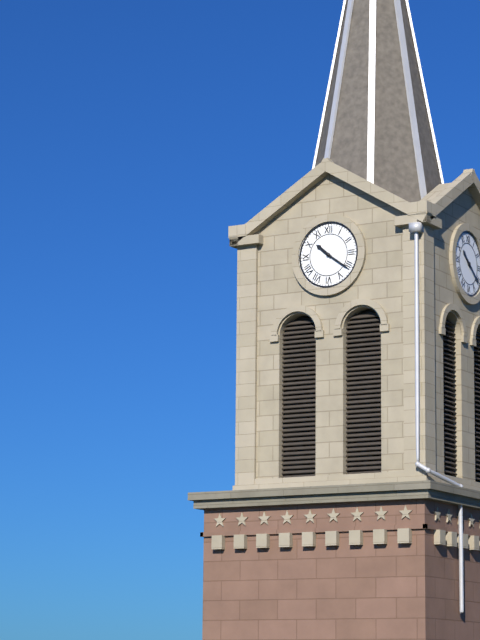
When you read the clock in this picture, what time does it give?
10:21
